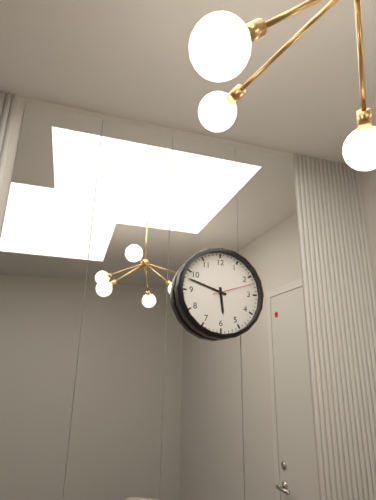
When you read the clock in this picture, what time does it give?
5:48
